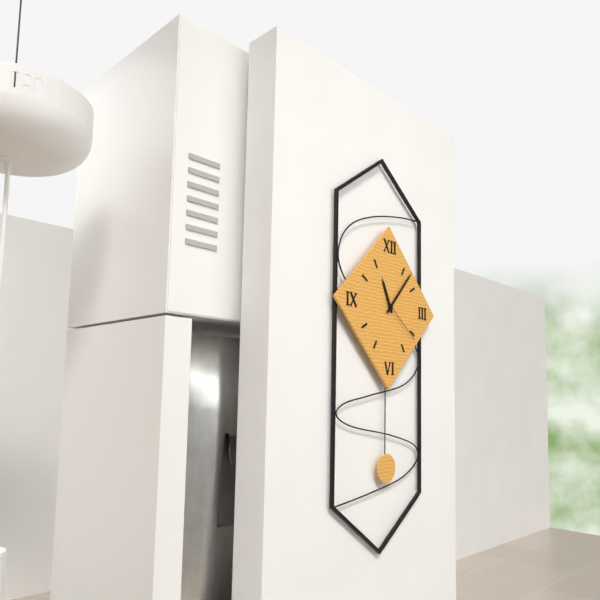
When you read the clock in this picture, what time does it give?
11:07:21
